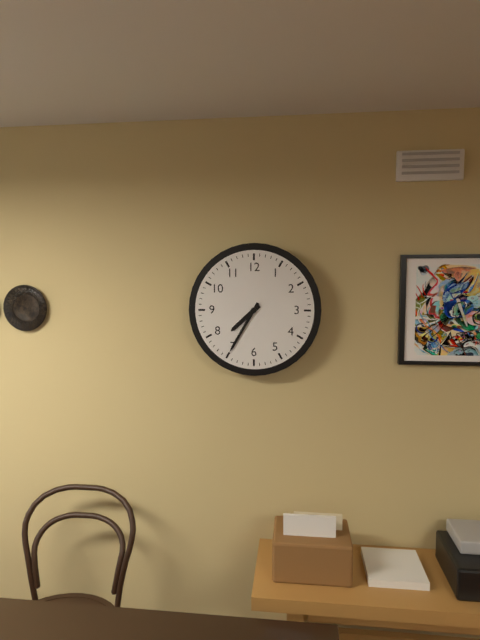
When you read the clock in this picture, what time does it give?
7:35
